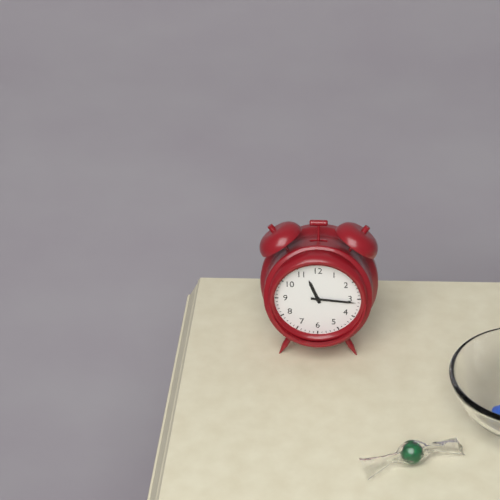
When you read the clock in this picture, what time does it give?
11:16
